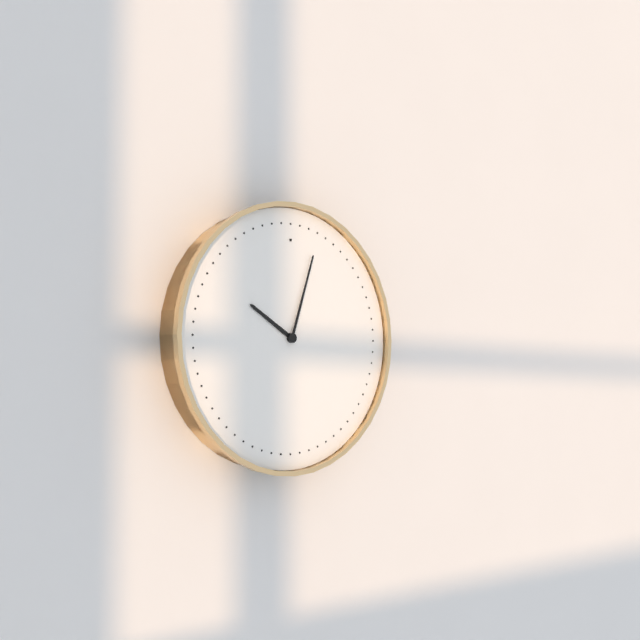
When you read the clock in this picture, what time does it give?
10:03
